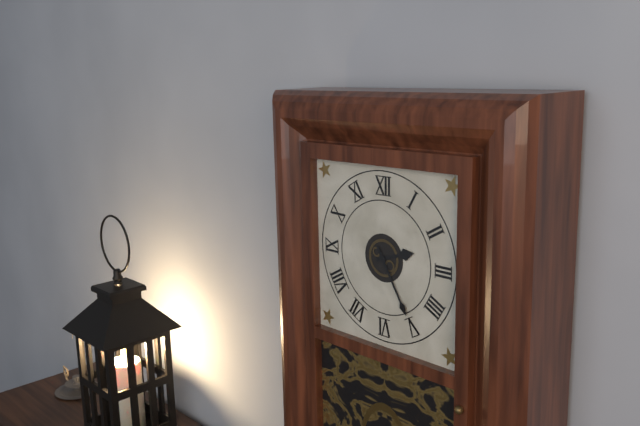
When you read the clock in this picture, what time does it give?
2:25
